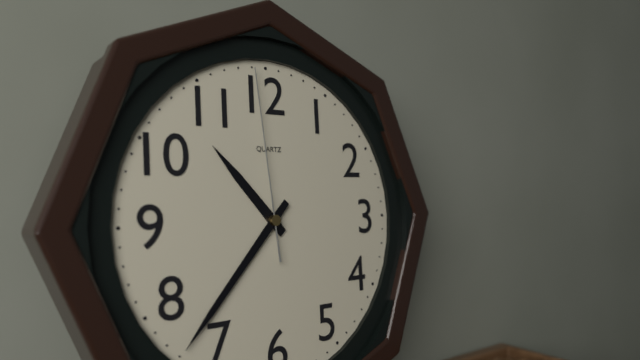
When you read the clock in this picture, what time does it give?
10:37:59
